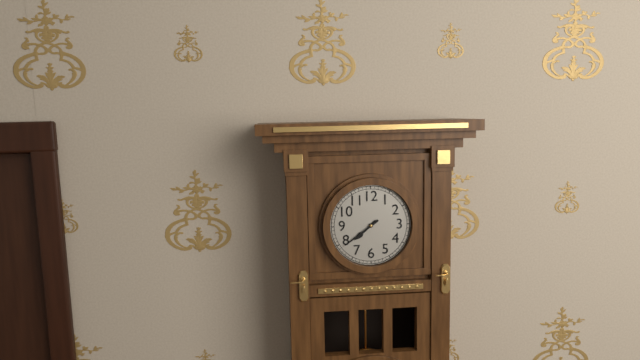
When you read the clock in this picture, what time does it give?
7:39
